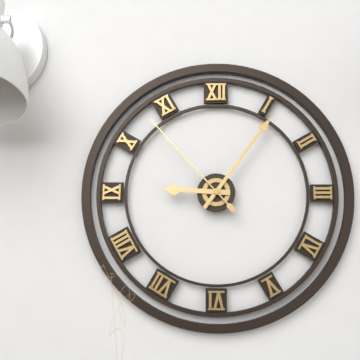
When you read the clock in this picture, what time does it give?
9:06:53
